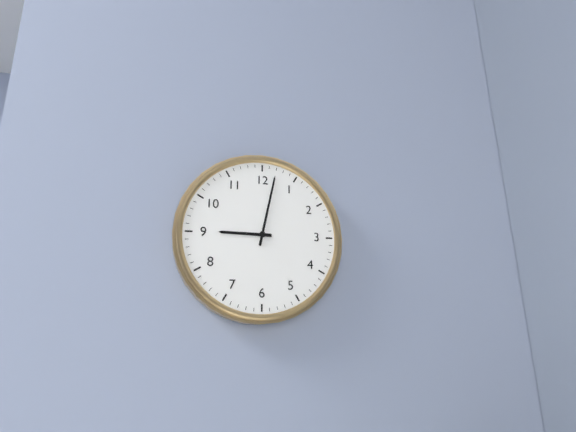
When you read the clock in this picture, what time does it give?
9:02
